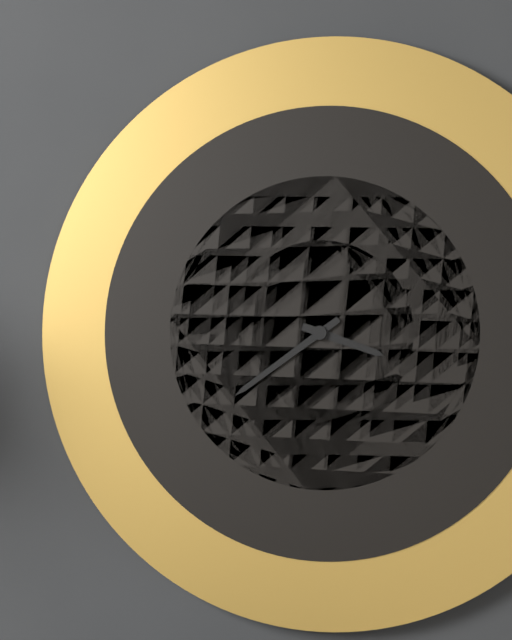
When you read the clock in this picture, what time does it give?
3:39
